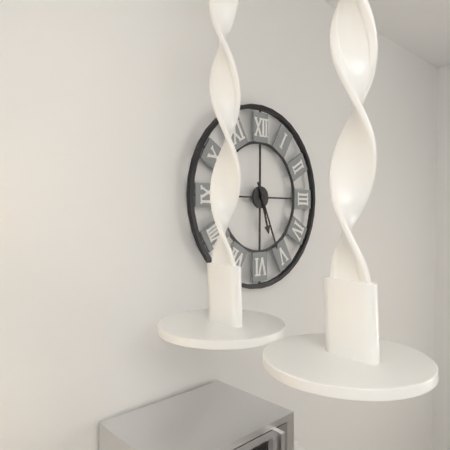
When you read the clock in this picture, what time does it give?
5:26
